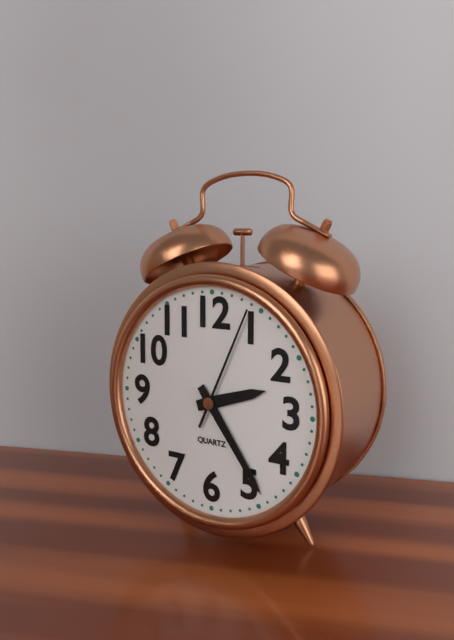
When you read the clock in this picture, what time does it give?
2:24:04
